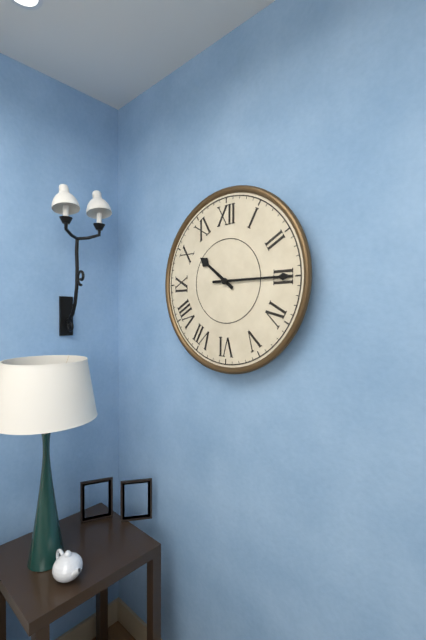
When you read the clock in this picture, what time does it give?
10:15
